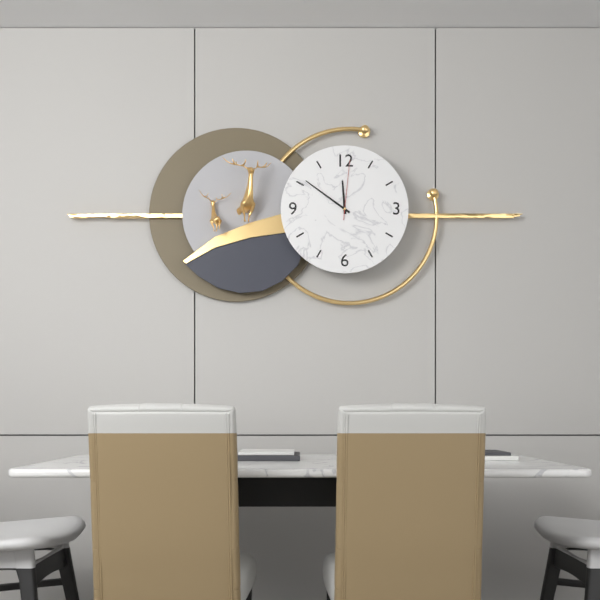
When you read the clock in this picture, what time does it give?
11:51:01
